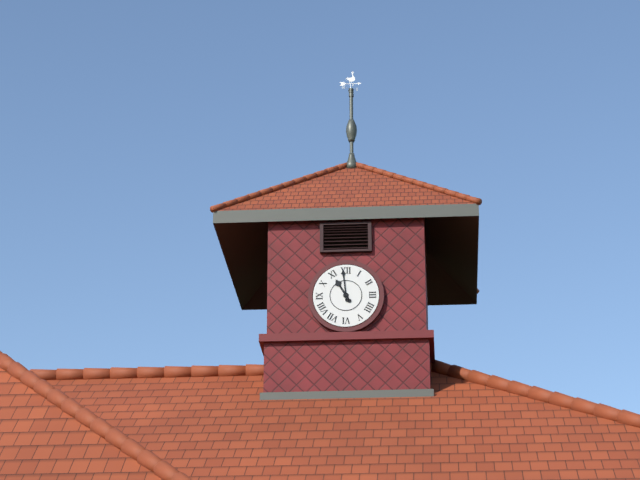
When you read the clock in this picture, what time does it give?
10:59
